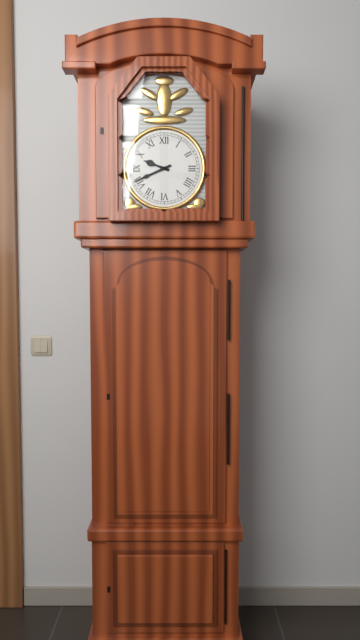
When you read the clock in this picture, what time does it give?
9:41
